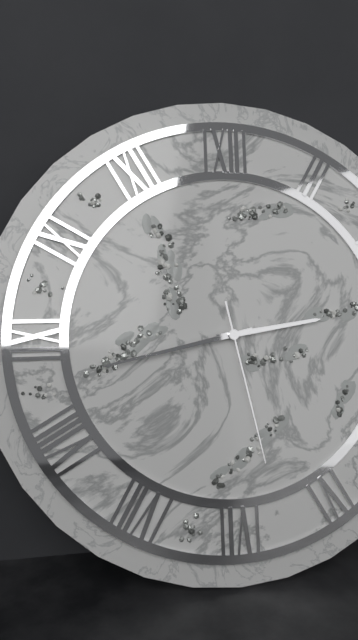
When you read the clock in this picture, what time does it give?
2:43:28
